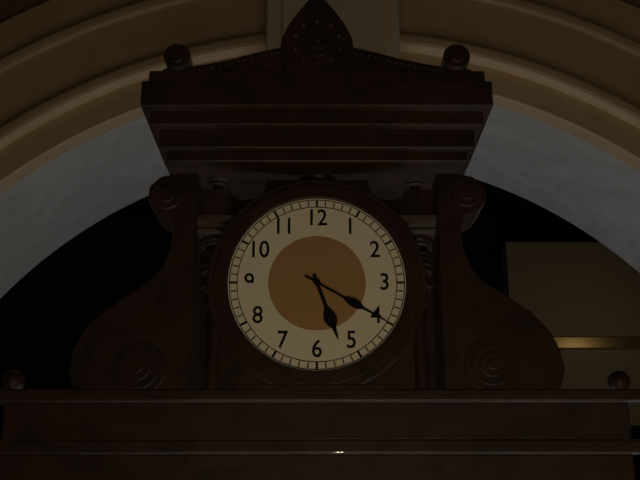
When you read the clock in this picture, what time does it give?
5:20
